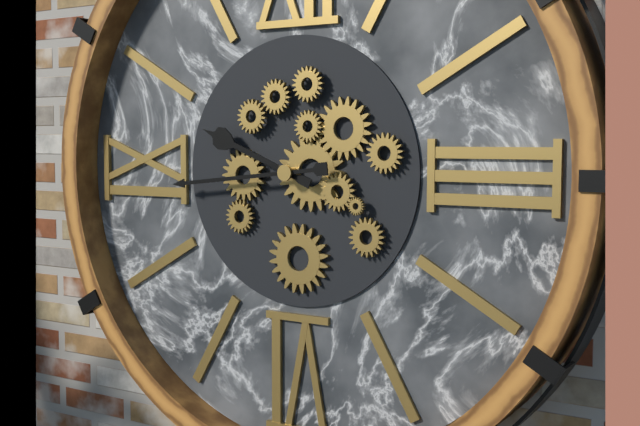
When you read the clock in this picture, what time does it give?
9:44
